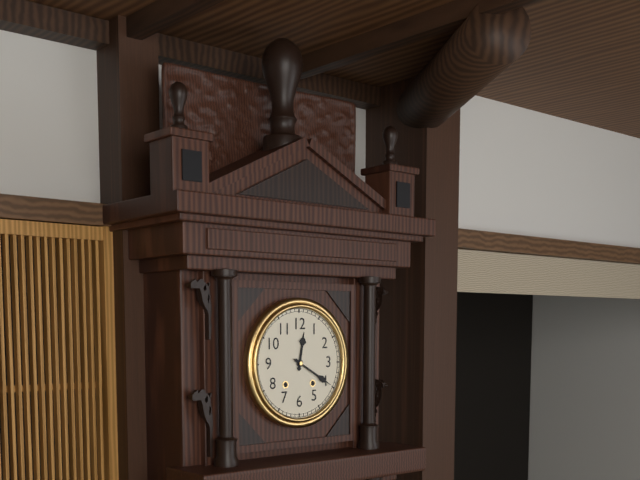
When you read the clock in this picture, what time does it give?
12:20
